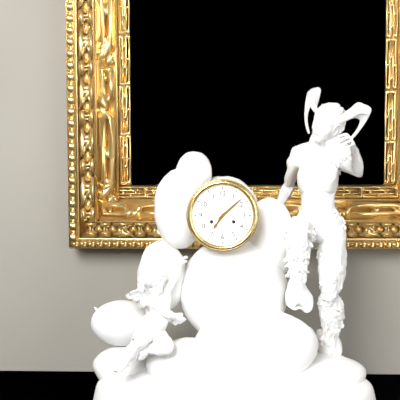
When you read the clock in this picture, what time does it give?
7:08
